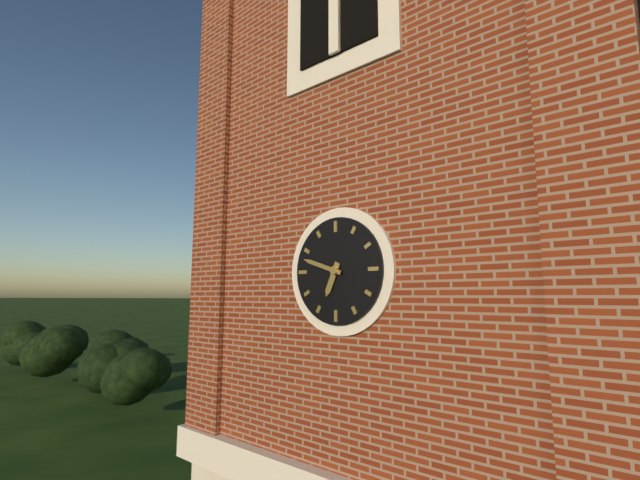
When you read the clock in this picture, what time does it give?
6:48
